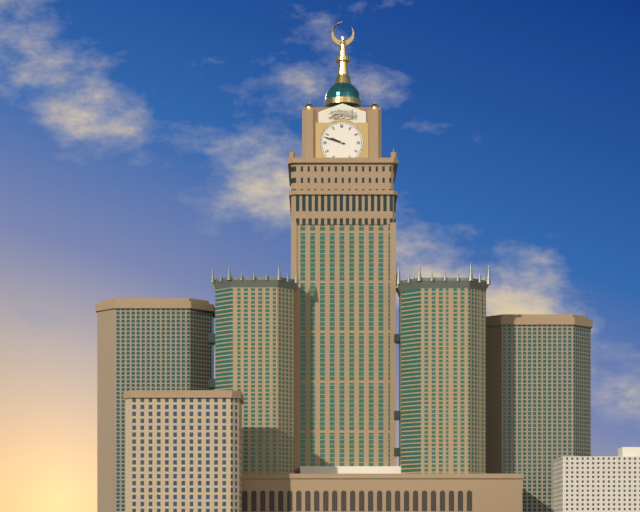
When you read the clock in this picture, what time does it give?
9:48
